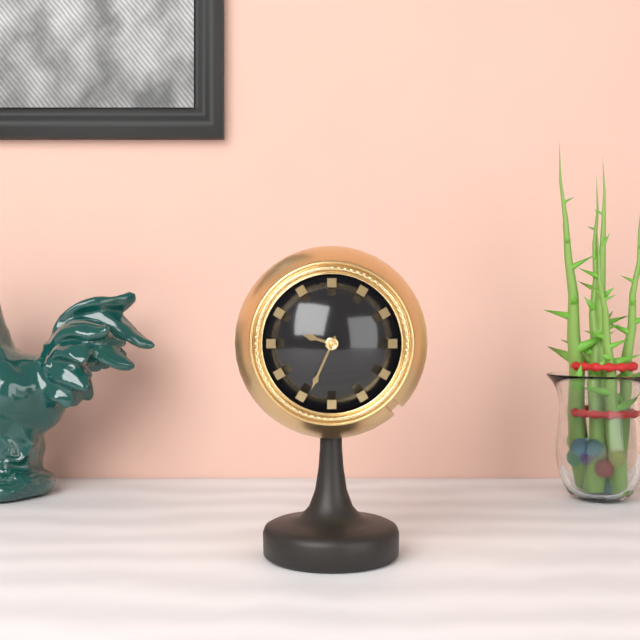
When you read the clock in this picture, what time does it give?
9:34
